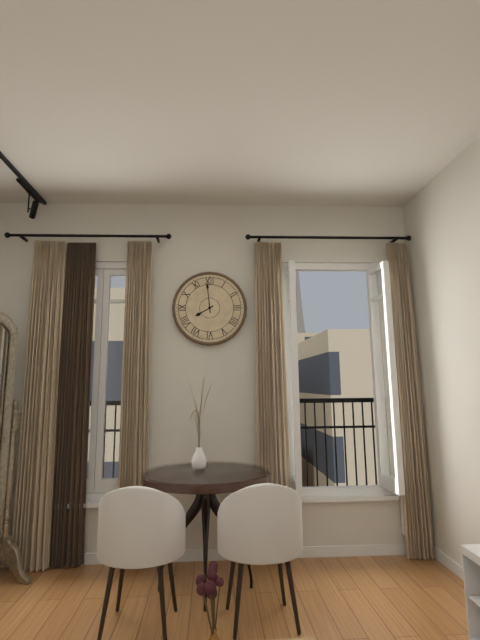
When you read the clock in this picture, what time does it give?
7:59
